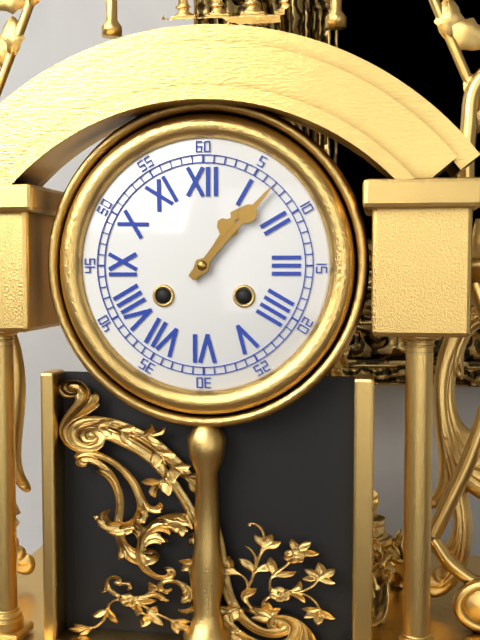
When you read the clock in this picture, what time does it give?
1:07
